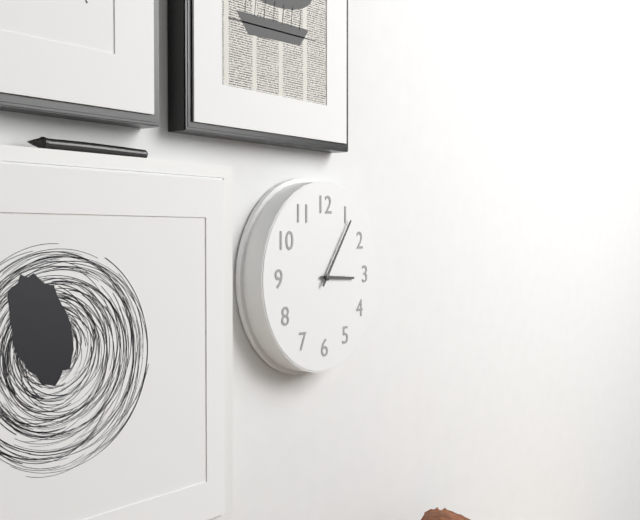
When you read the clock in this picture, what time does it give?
3:06
